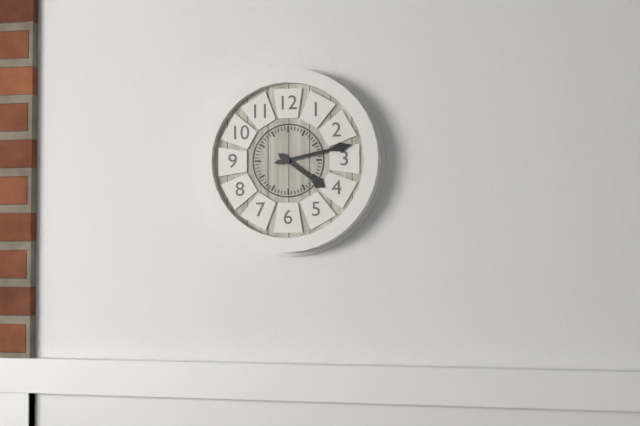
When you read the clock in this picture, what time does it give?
4:13
